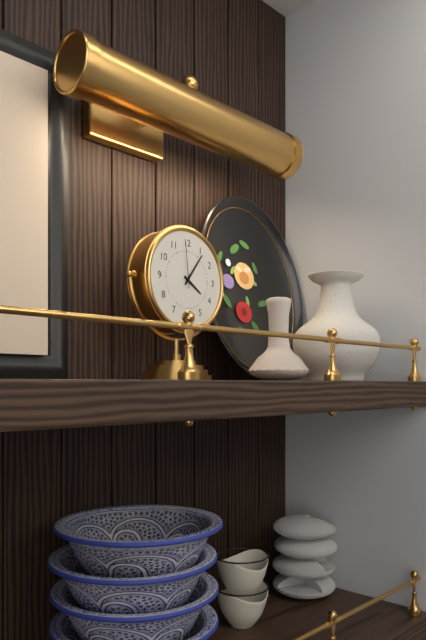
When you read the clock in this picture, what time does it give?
4:06
